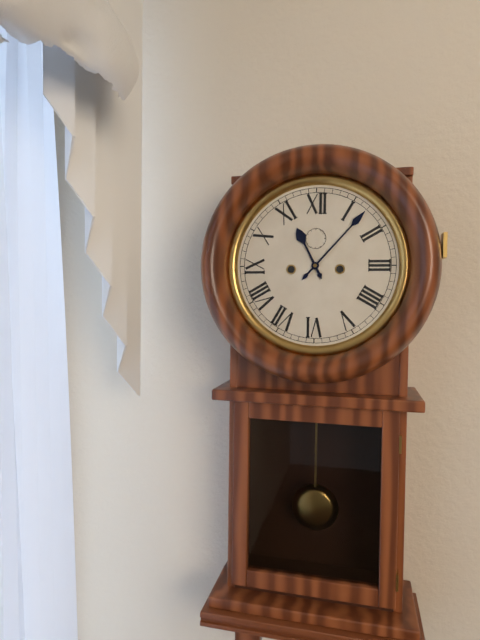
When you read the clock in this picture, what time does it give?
11:07
